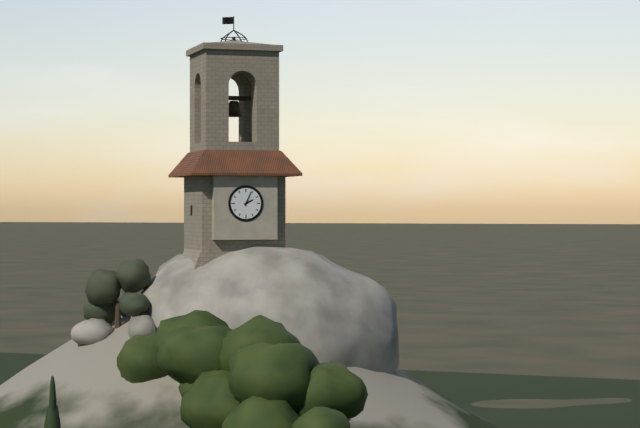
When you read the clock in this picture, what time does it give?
2:04
